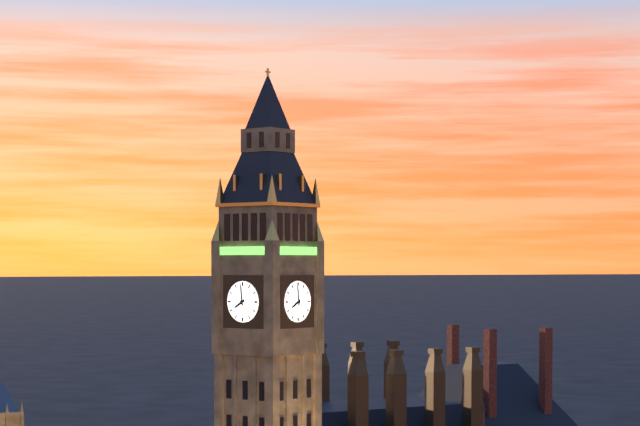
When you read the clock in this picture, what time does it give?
7:59
